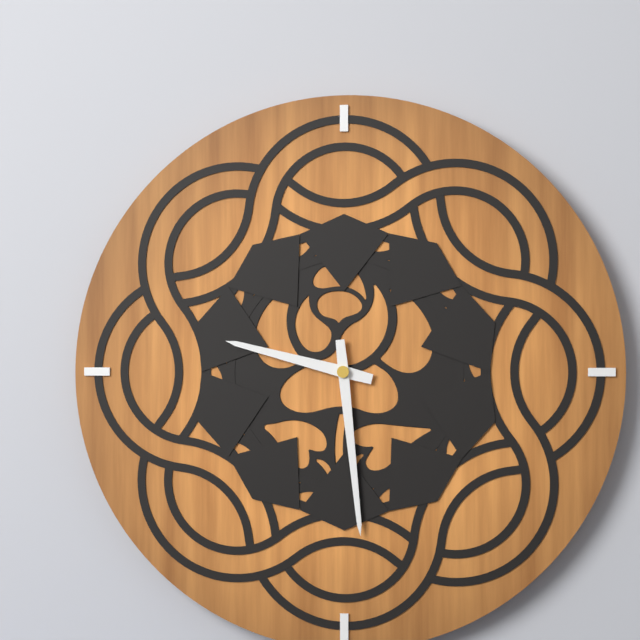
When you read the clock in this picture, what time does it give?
9:29
